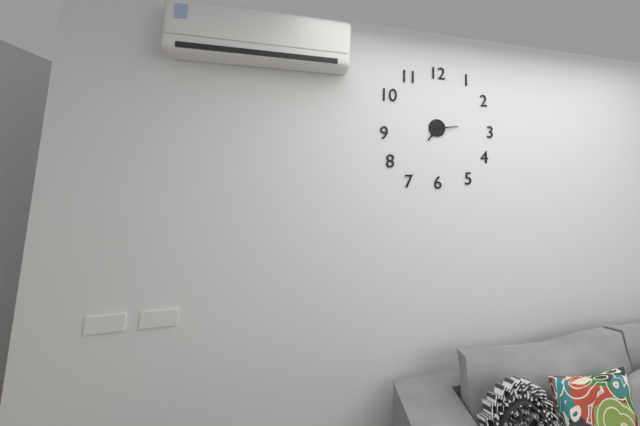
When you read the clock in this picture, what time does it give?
7:14
